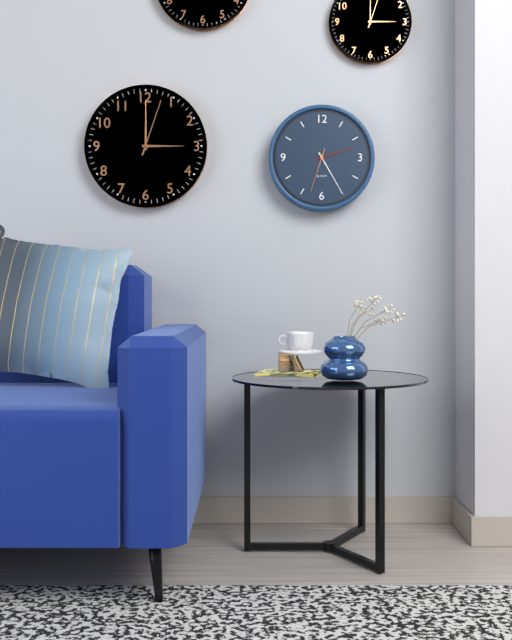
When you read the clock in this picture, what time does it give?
2:25
